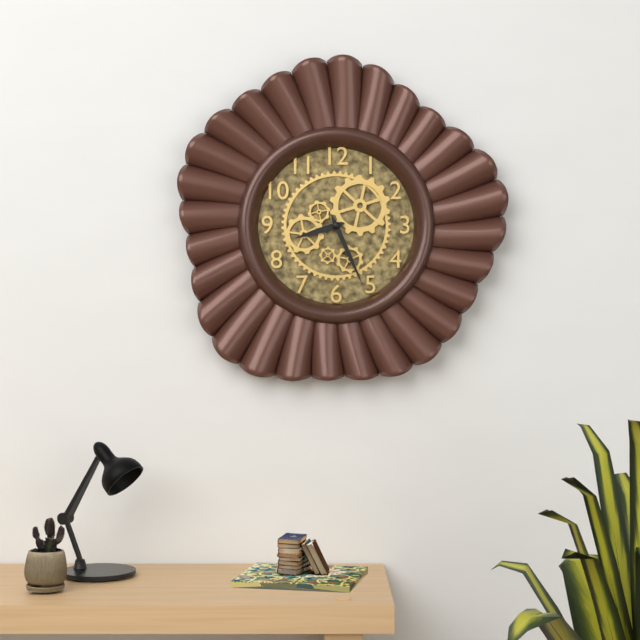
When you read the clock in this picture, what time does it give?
8:26
